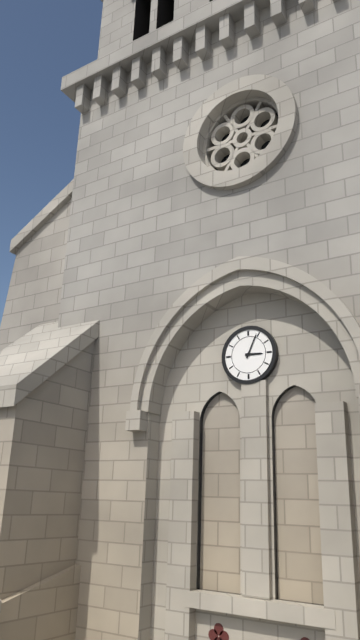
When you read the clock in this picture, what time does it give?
3:04
